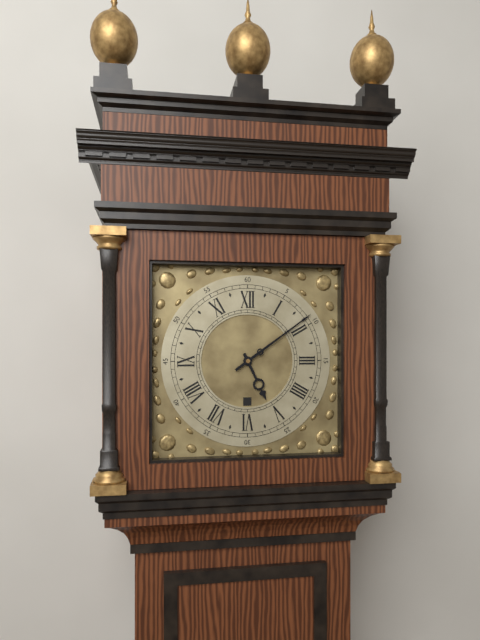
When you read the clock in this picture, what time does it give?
5:09
